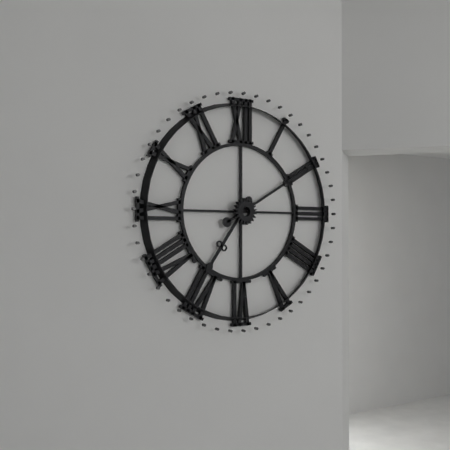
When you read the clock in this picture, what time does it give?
7:10
